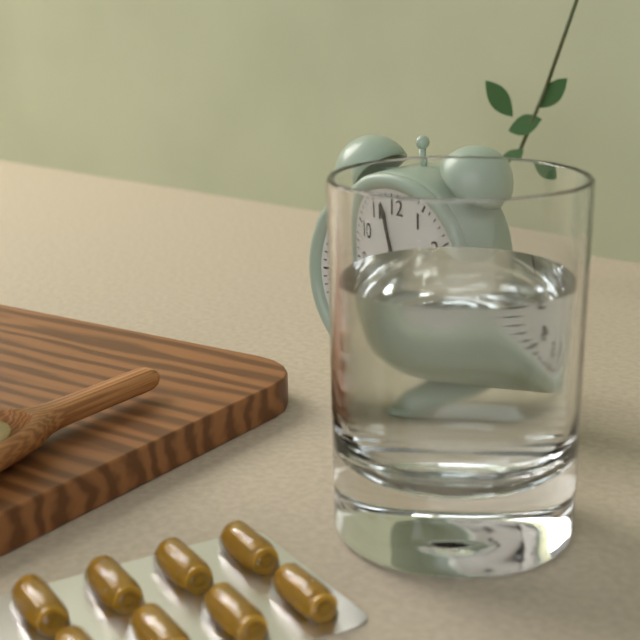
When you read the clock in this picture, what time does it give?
2:57:27
